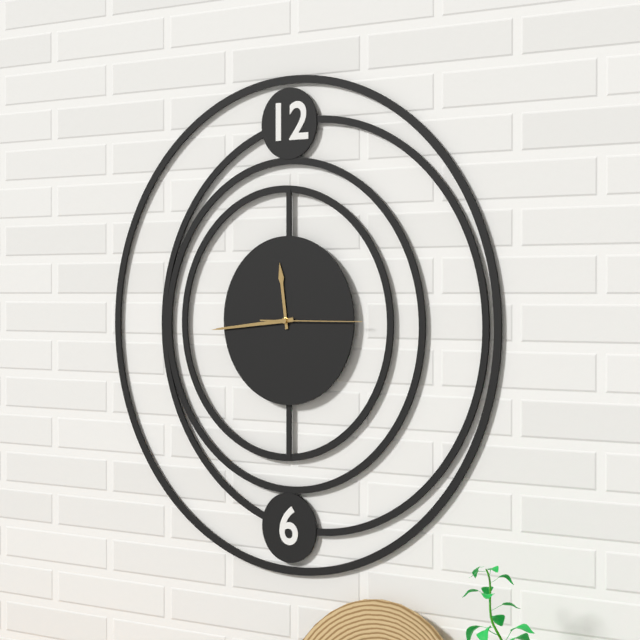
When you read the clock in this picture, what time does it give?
11:44:15
